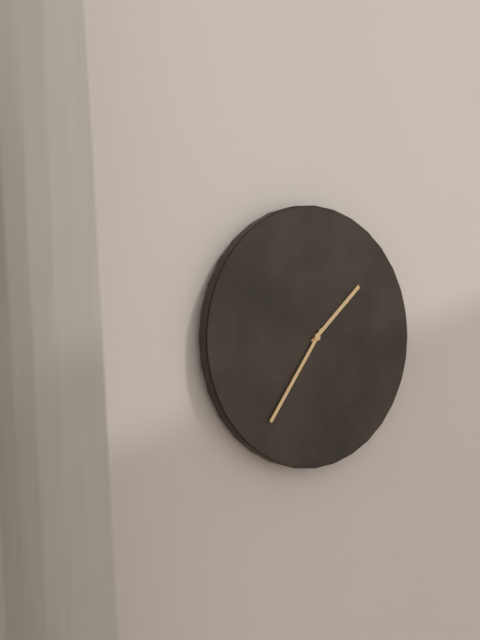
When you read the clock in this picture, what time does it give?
1:36
